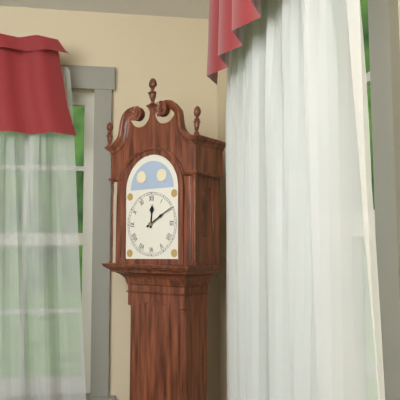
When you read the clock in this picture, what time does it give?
12:10
